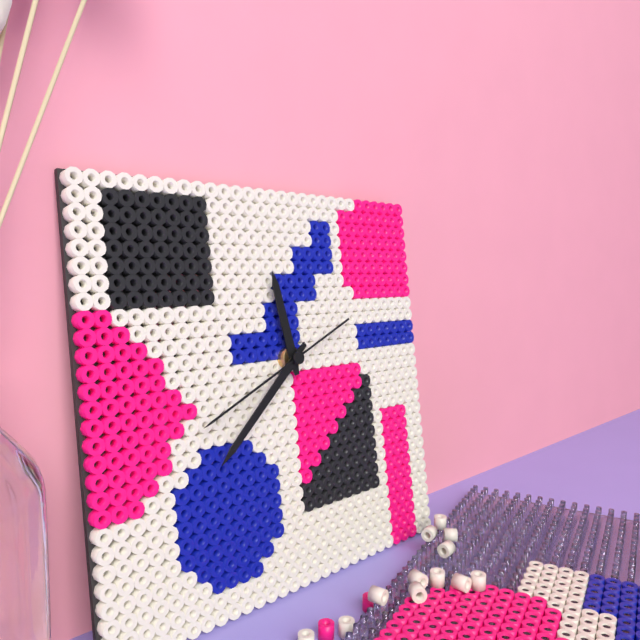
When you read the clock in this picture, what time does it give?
11:38:41
